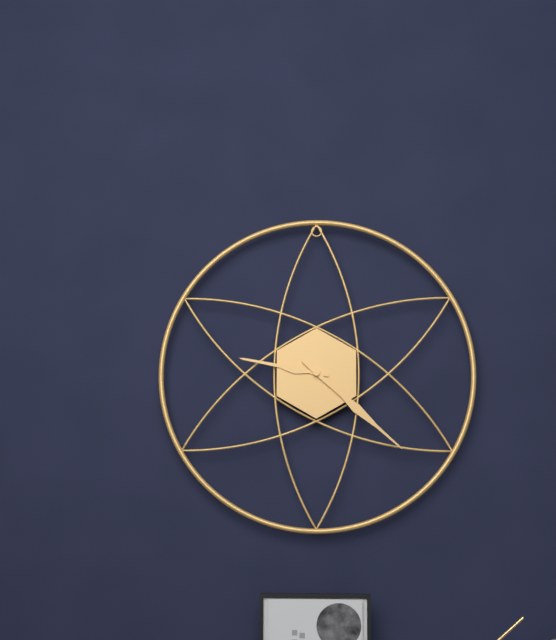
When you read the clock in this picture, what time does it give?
9:22
